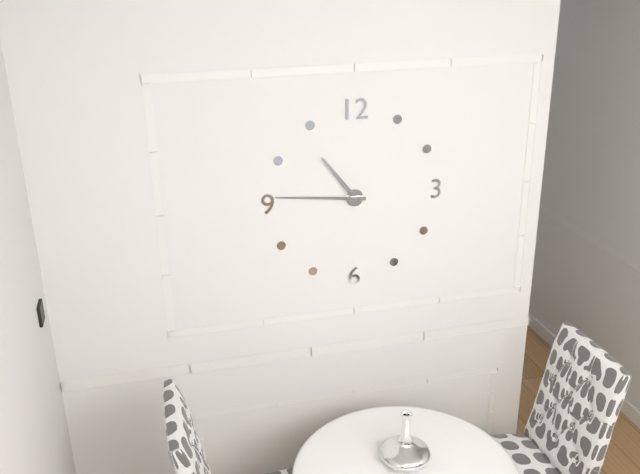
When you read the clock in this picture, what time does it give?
10:46
